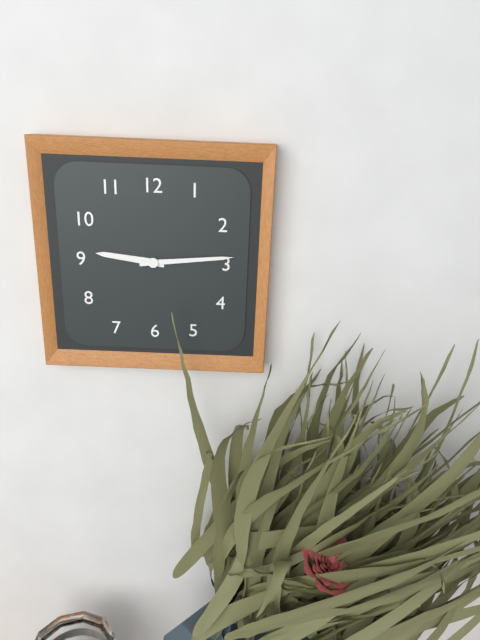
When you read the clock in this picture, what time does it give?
9:14
